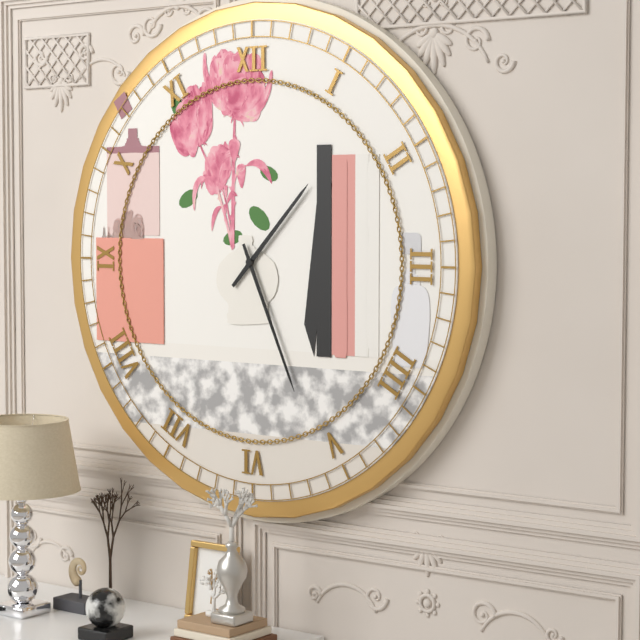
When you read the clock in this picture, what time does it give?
1:26
